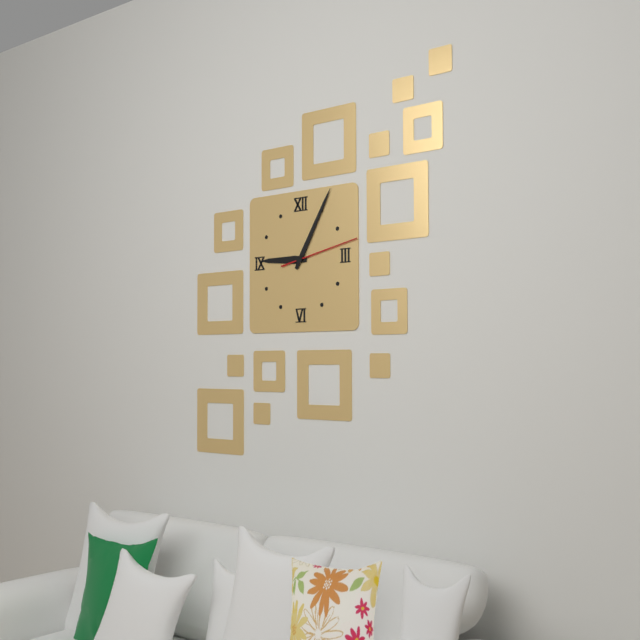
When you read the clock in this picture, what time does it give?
9:05:13
